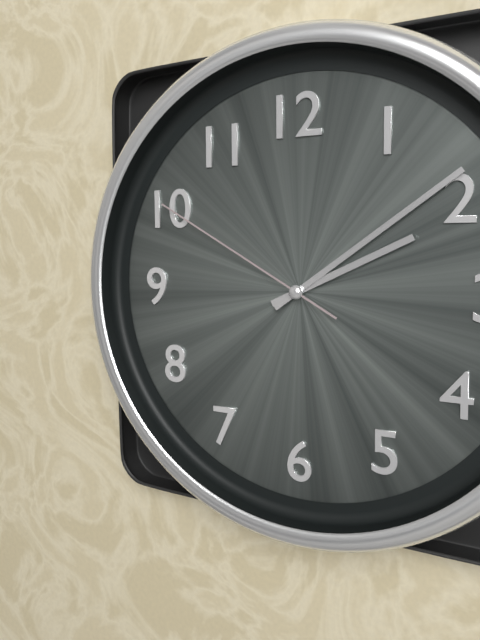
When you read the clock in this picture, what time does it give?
2:09:50
